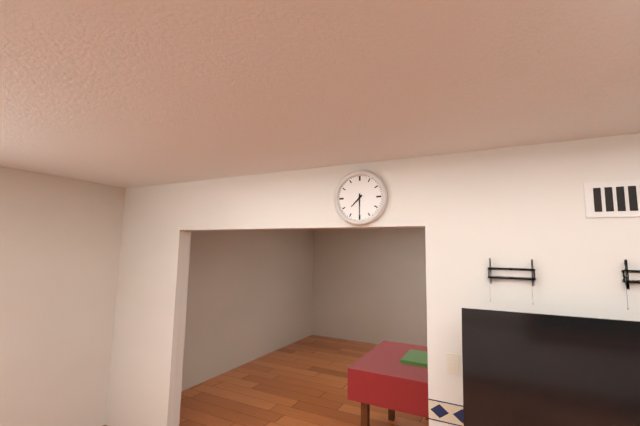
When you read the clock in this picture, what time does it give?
7:30
